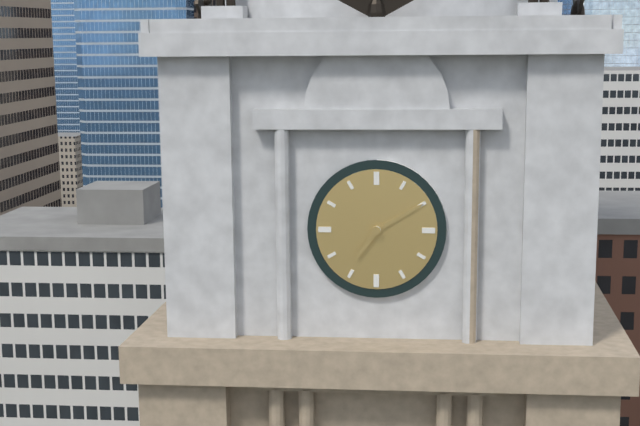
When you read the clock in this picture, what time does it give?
7:10
